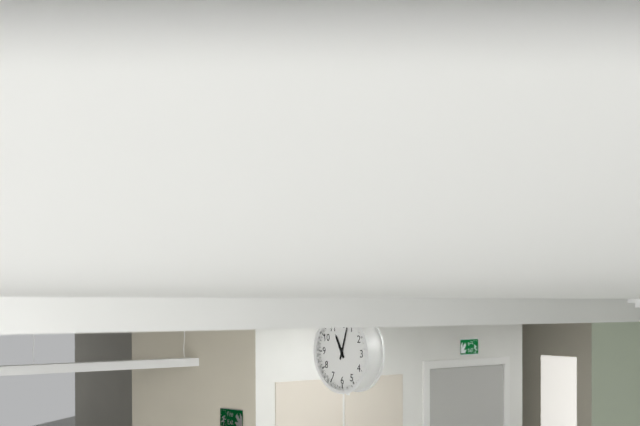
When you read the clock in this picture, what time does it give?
11:03
